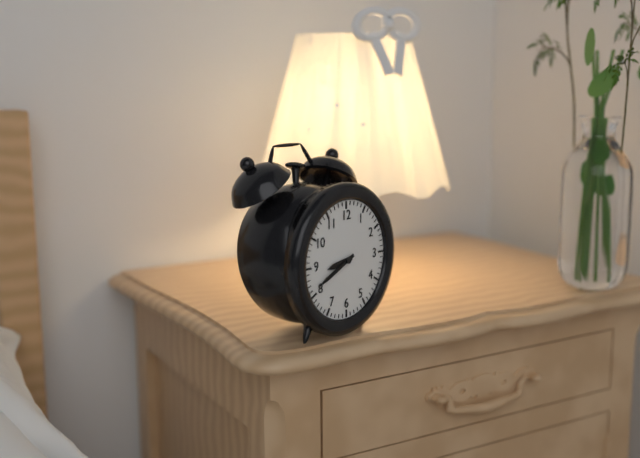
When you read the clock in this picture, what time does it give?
8:41
